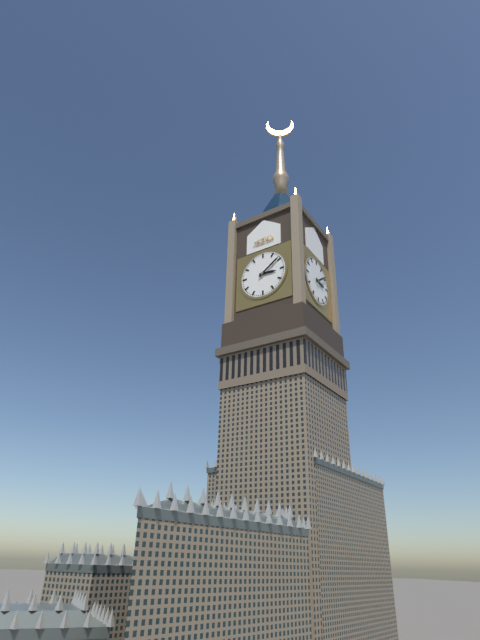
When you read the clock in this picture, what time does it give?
3:09
